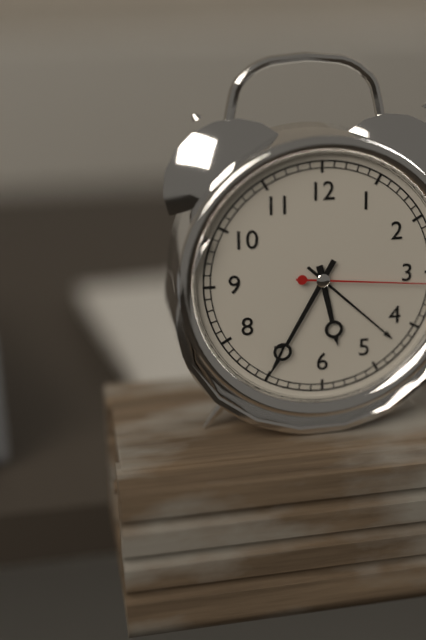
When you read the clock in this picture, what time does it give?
5:35
